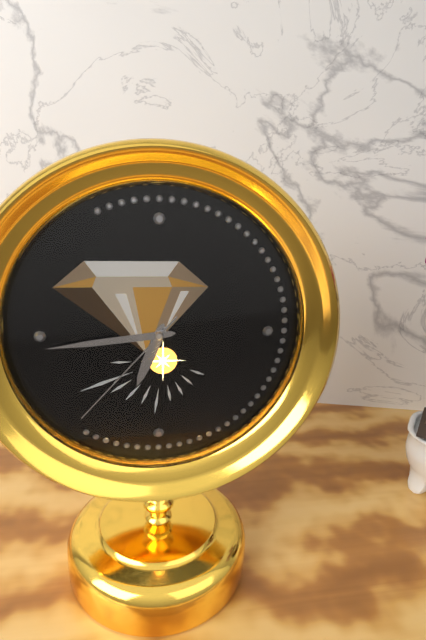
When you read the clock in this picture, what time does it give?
6:44:37
